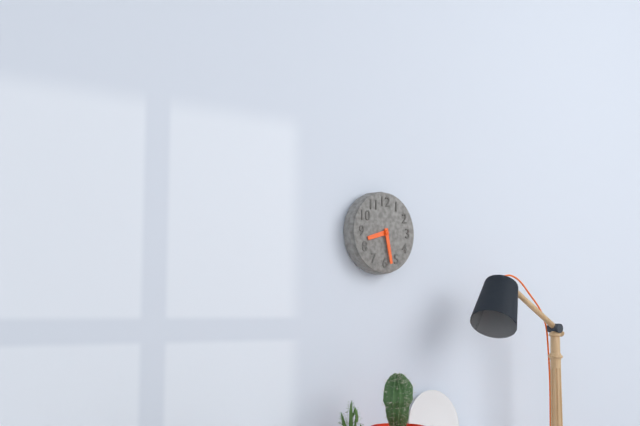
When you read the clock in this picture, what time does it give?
8:28
